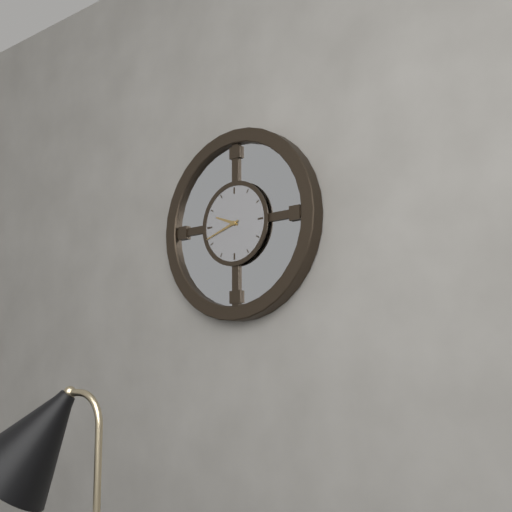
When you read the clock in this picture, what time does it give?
9:42
